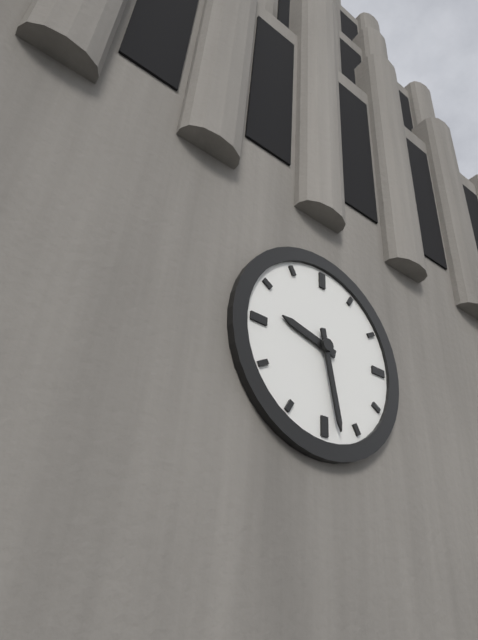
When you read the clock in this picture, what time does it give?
9:28
